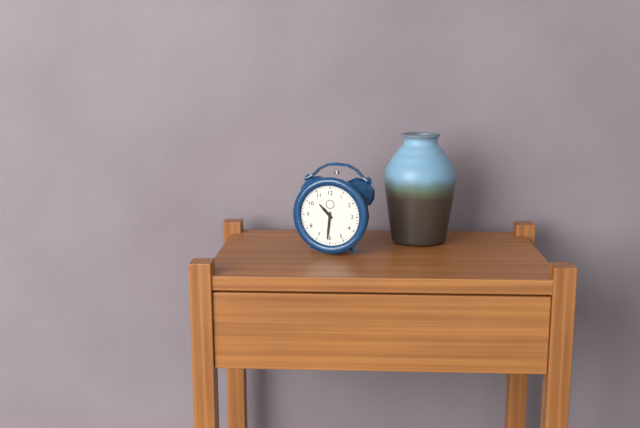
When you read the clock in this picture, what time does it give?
10:31
